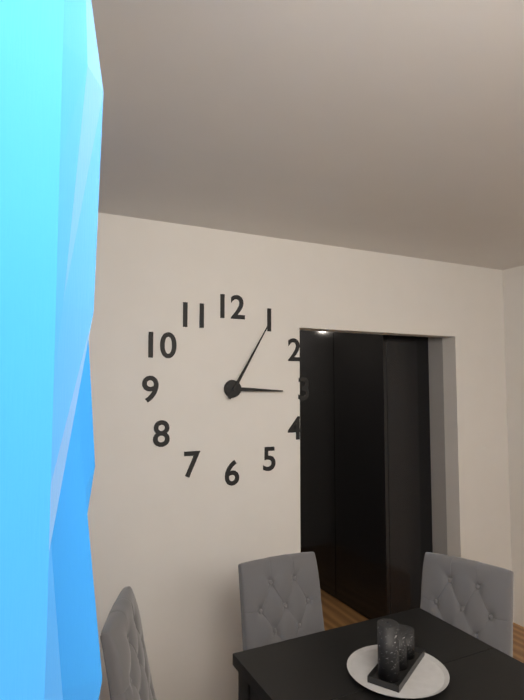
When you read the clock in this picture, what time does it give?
3:05
